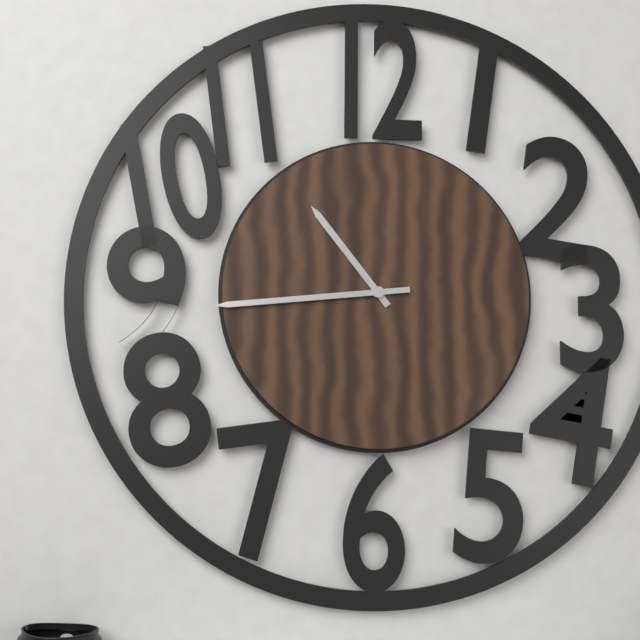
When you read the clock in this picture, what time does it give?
10:44
